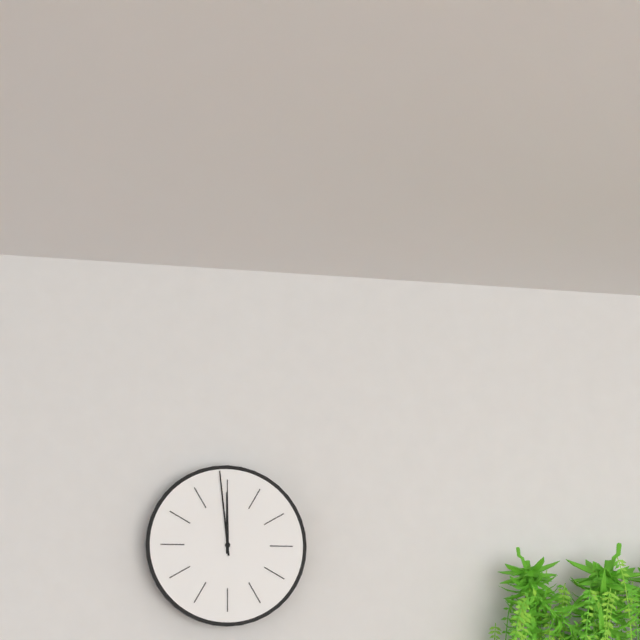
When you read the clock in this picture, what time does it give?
11:59
